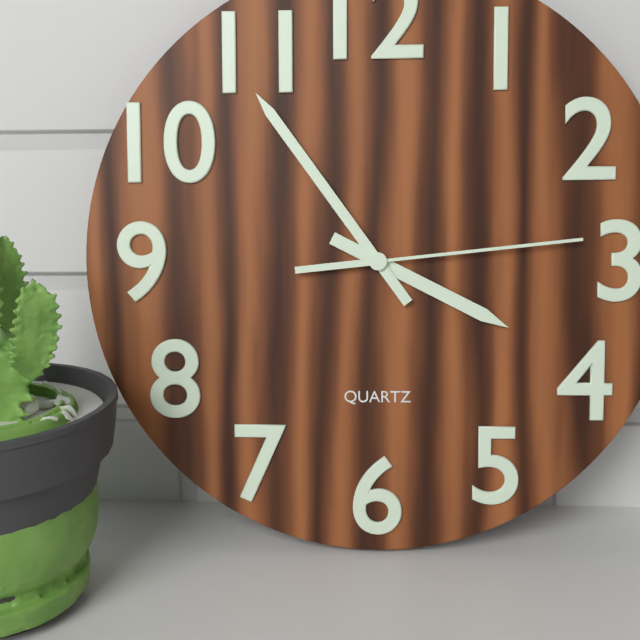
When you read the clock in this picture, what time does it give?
3:54:14
